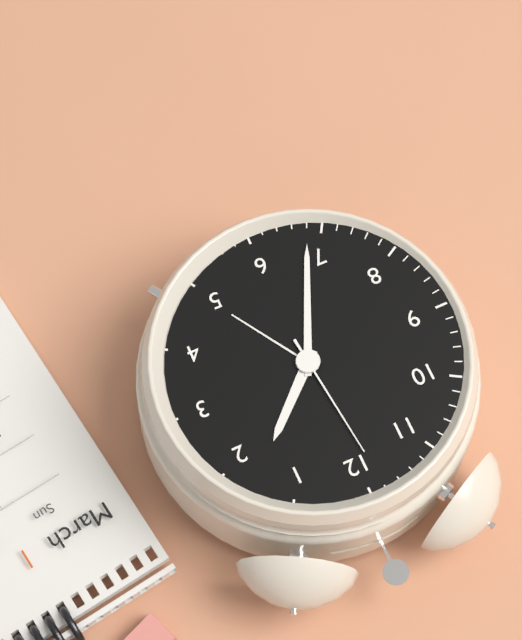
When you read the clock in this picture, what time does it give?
1:34:59
